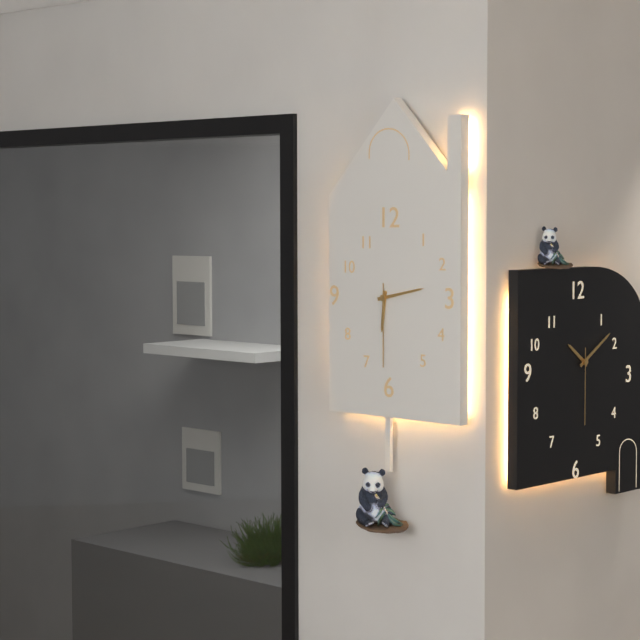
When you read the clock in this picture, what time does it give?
6:13:30
